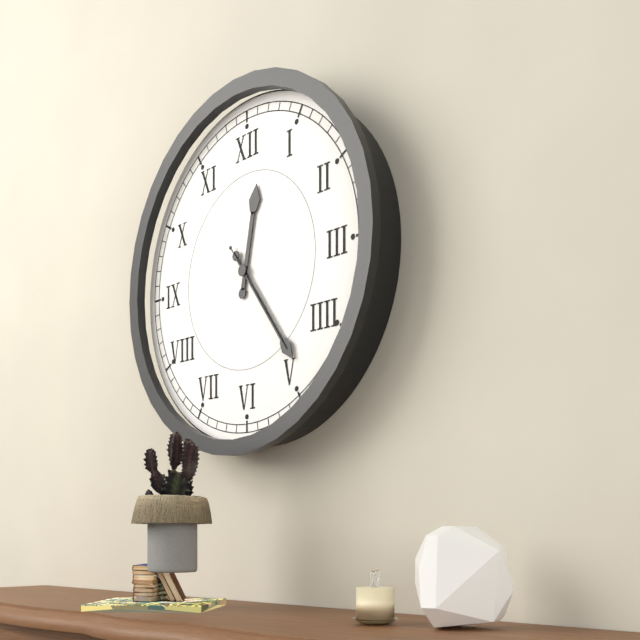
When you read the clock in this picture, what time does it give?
12:24:24
